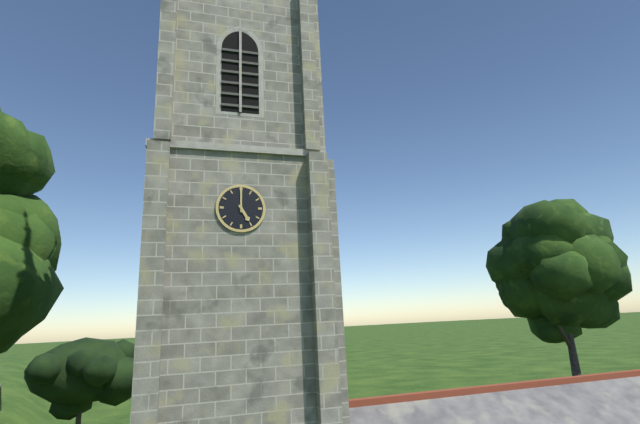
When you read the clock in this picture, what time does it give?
5:00
